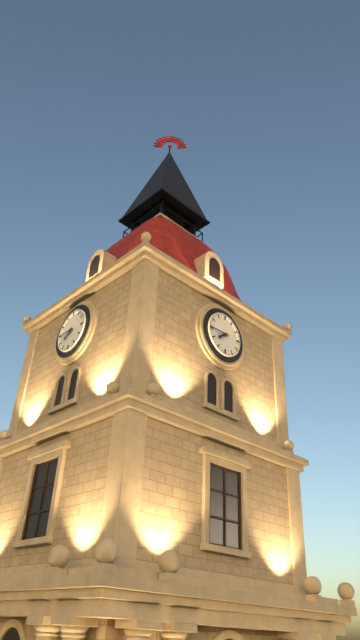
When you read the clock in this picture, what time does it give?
7:45
